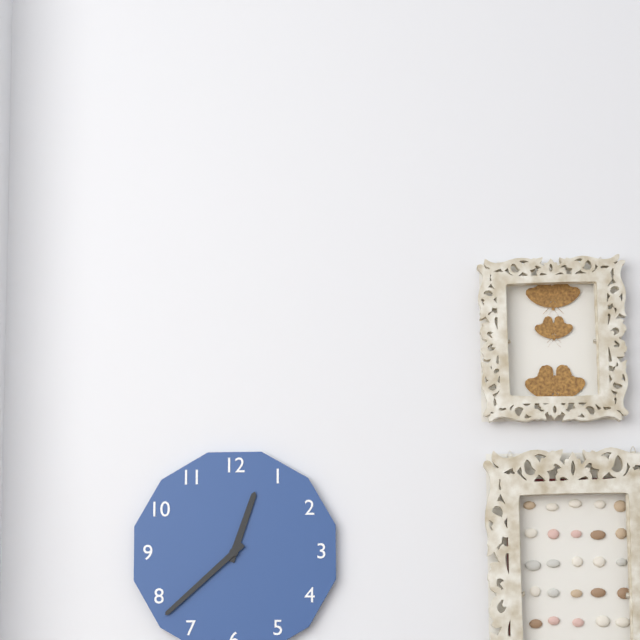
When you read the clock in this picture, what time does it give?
12:38
